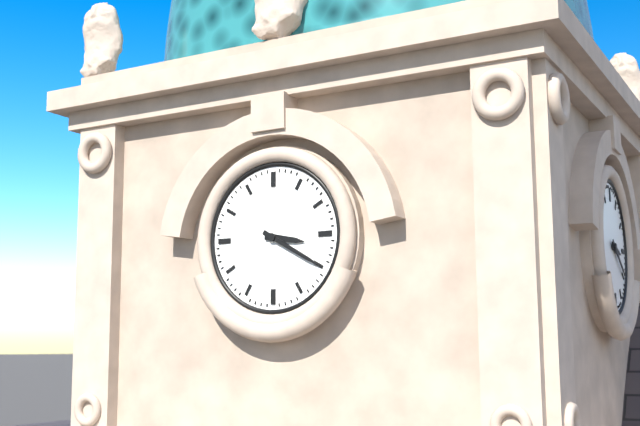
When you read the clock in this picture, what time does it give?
3:20
